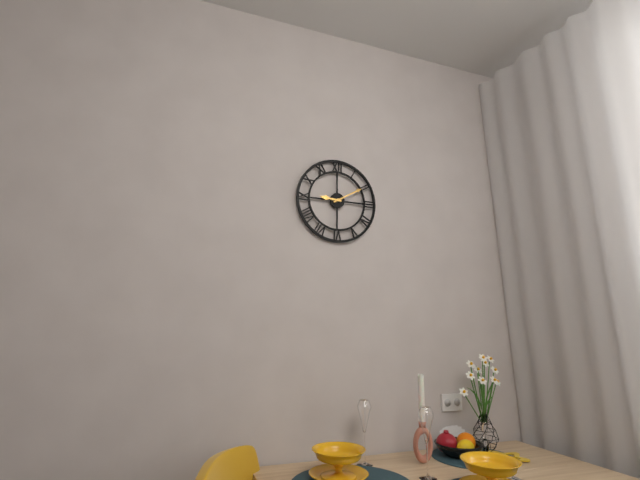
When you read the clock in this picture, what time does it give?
9:10
